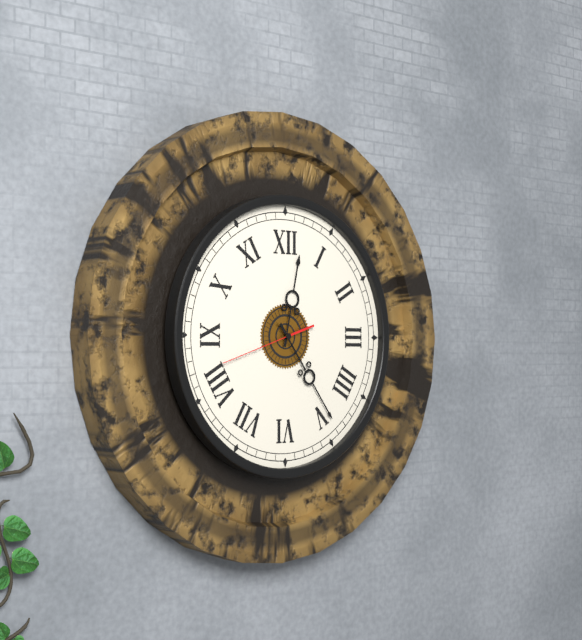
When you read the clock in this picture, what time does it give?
12:24:42
